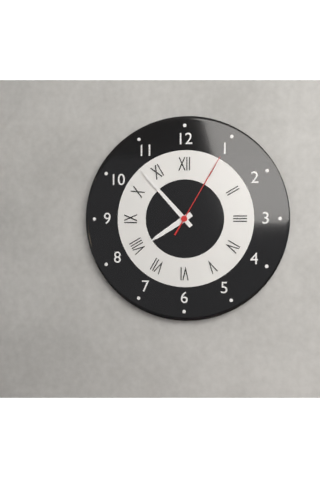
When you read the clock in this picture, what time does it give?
7:53:05
